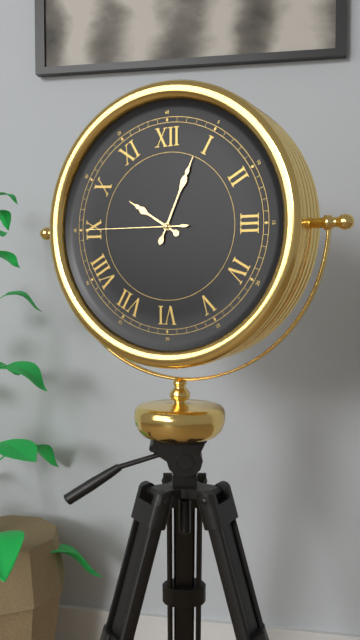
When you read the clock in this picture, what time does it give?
10:04:45
